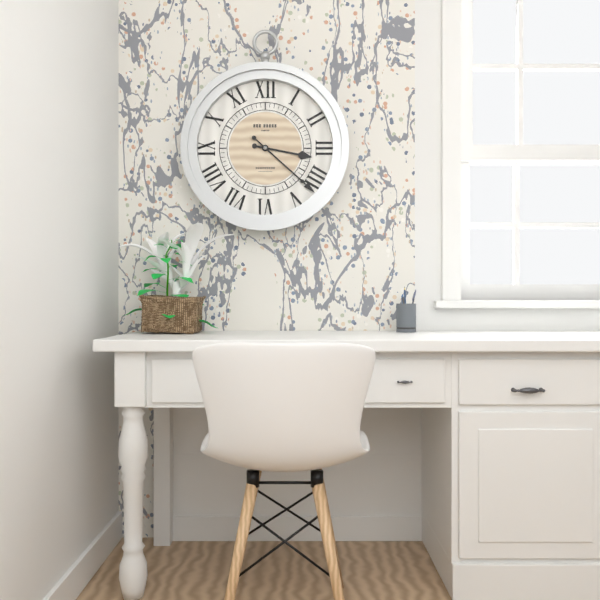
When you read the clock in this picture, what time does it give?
3:22
